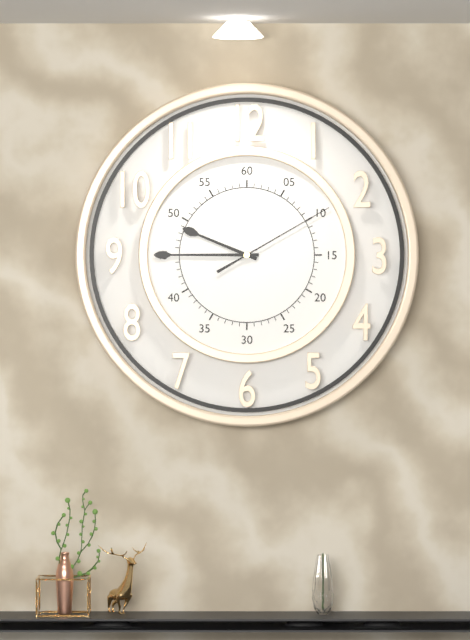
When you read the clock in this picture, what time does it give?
9:45:10
